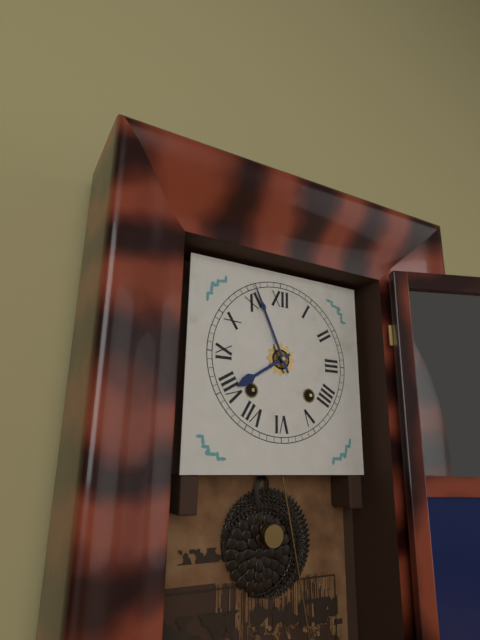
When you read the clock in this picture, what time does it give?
7:56
